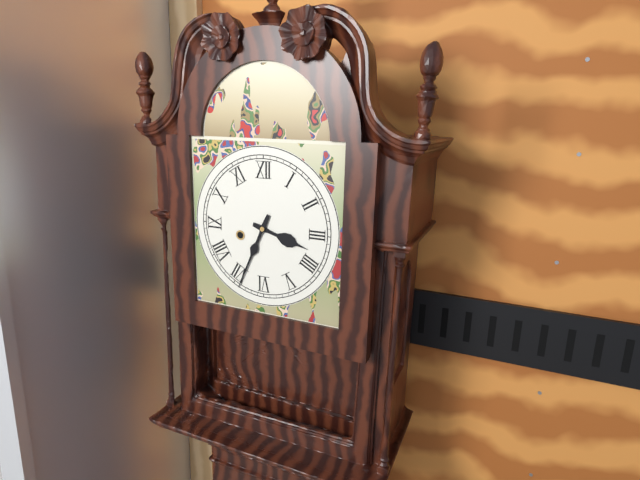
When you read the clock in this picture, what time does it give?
3:34
